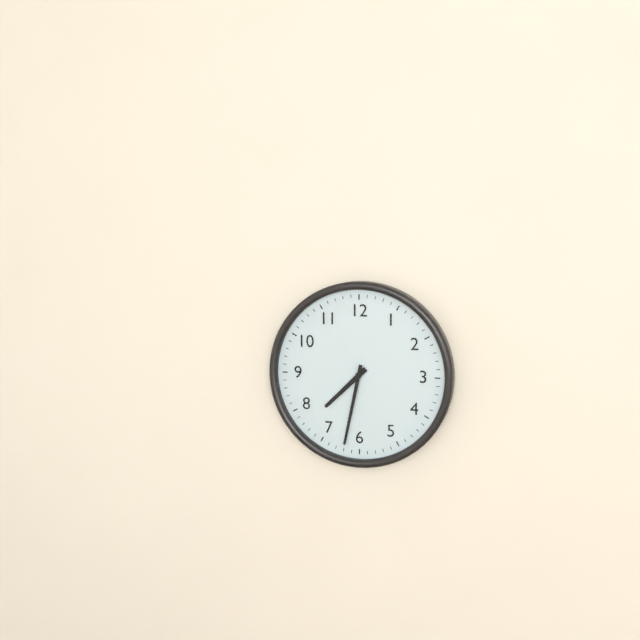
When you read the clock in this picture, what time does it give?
7:32
